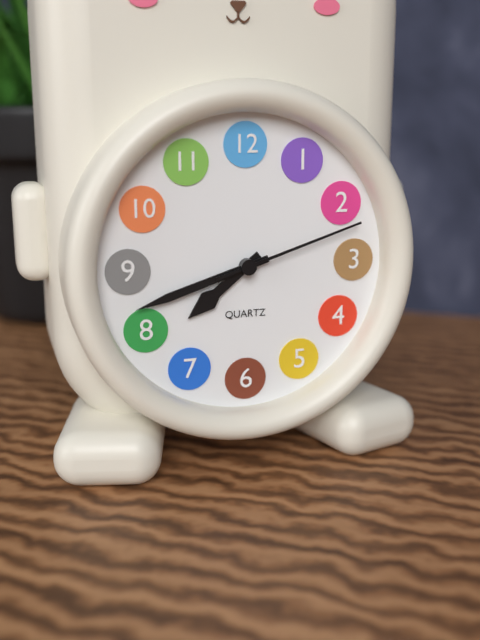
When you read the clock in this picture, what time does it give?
7:42:12
